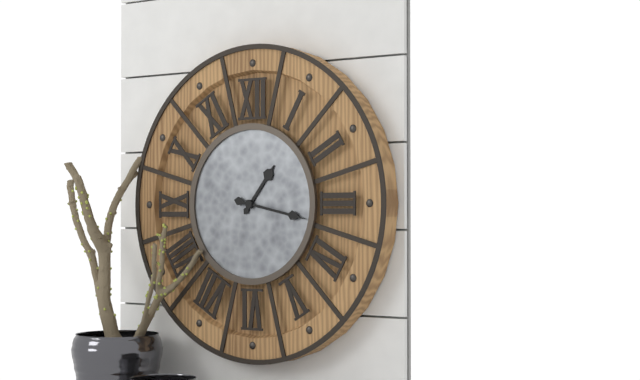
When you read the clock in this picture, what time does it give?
1:17
